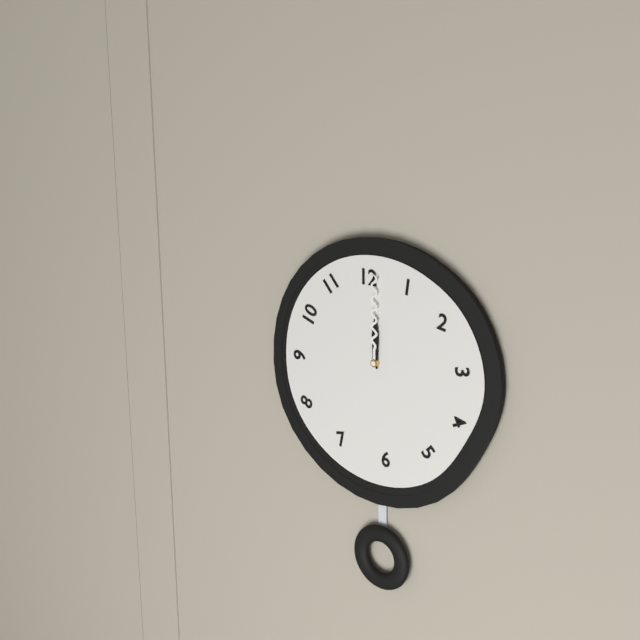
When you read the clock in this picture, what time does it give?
12:00
